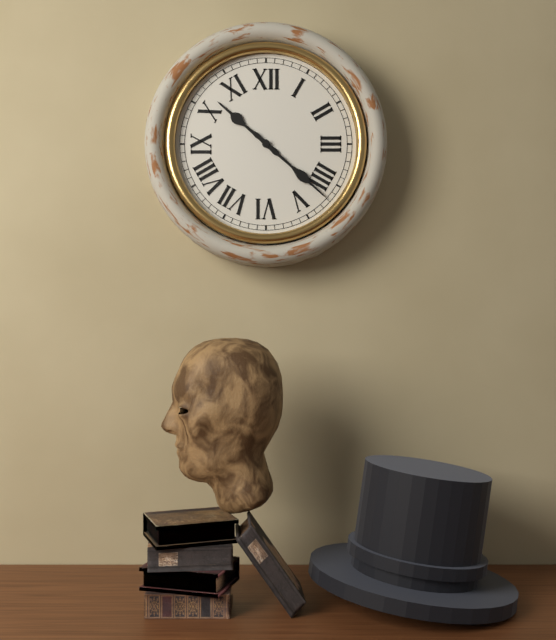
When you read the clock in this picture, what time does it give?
10:22
